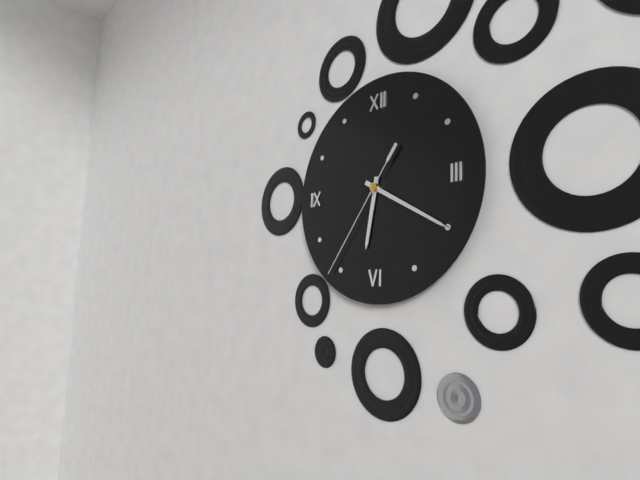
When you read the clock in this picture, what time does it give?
6:20:36
